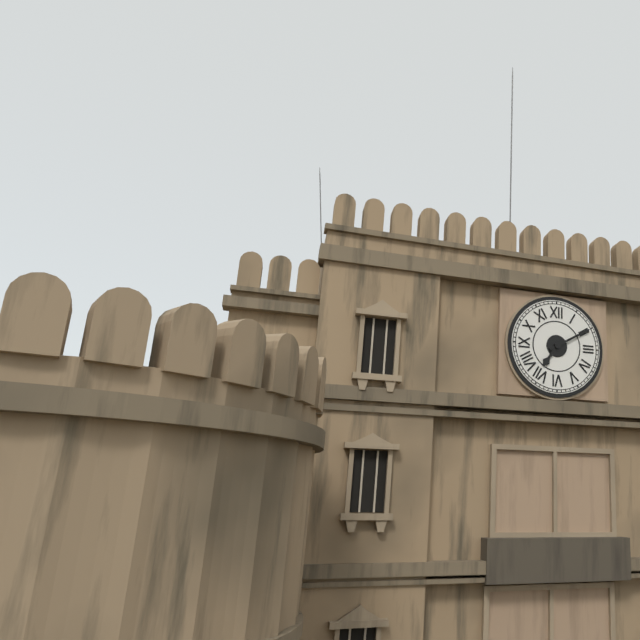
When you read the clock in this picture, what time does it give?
7:10
